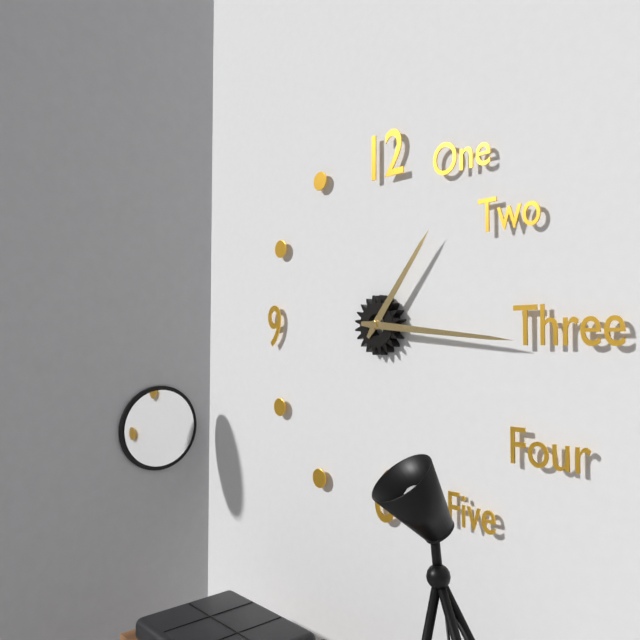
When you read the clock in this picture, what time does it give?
1:16
